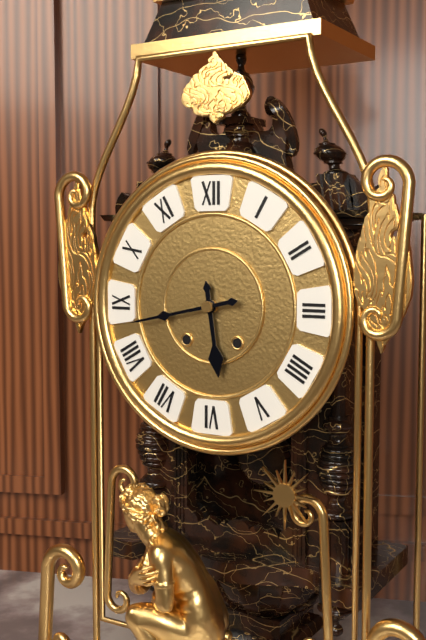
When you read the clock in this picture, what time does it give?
5:43
